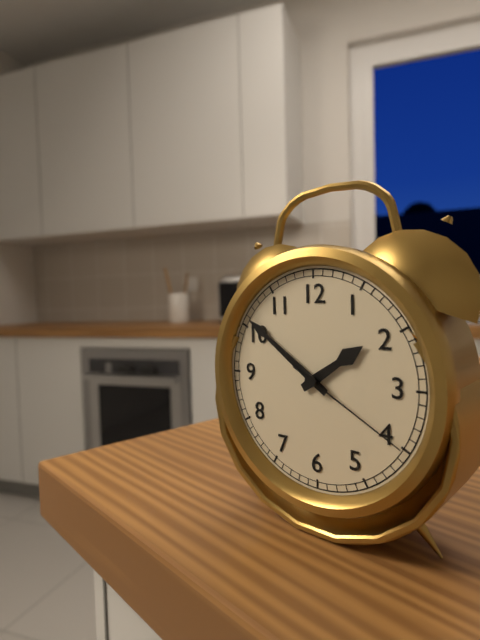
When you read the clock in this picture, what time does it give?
1:51:20
